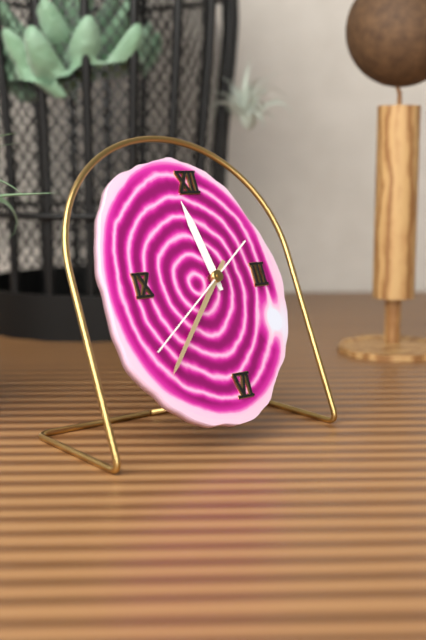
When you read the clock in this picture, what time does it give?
11:37:39
